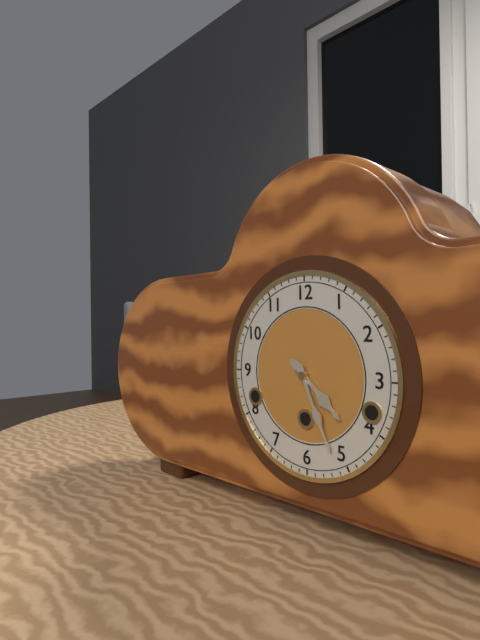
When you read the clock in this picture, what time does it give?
4:26
